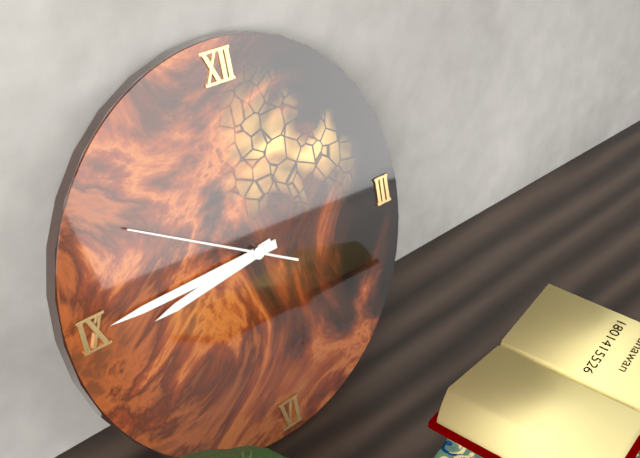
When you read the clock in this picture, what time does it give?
8:45:50
